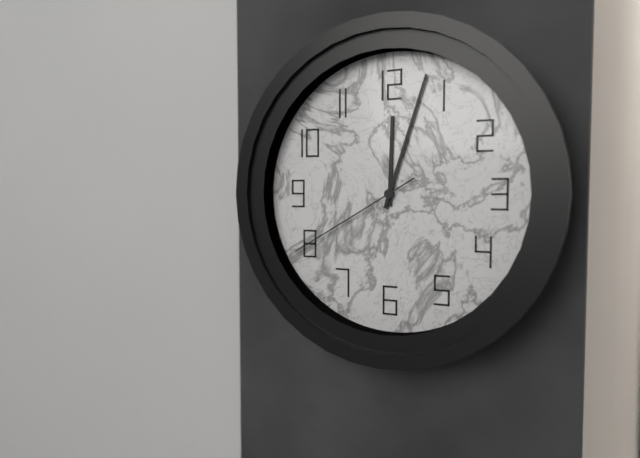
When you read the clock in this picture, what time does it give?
12:03:40
